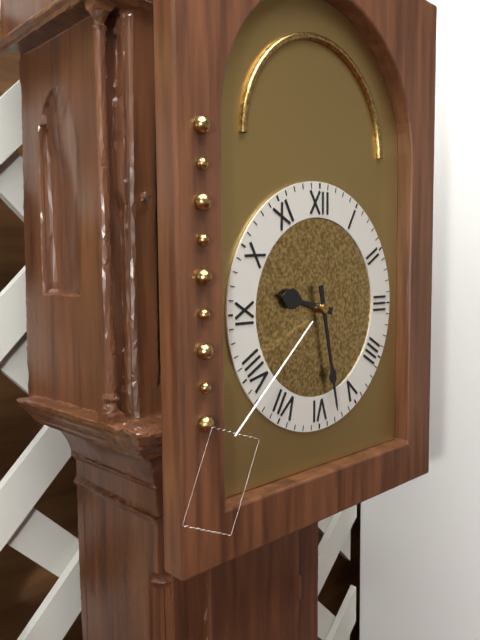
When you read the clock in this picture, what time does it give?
9:28
